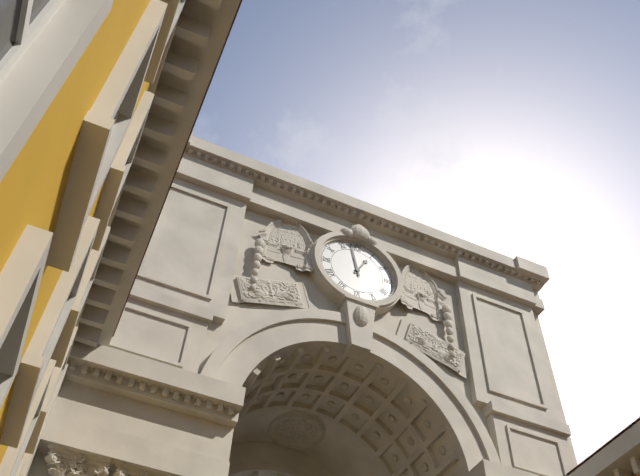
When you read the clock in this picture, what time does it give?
12:58
